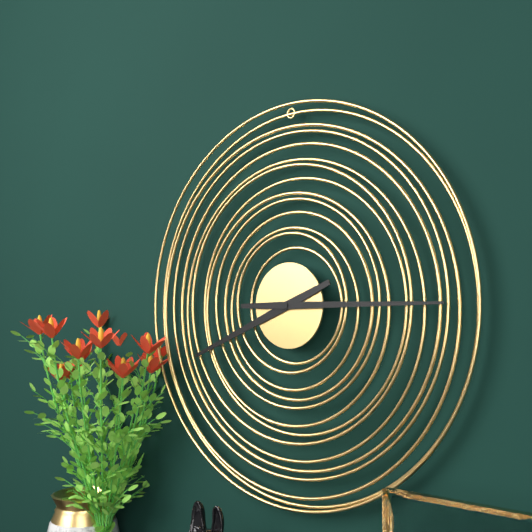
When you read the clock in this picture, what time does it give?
8:15
